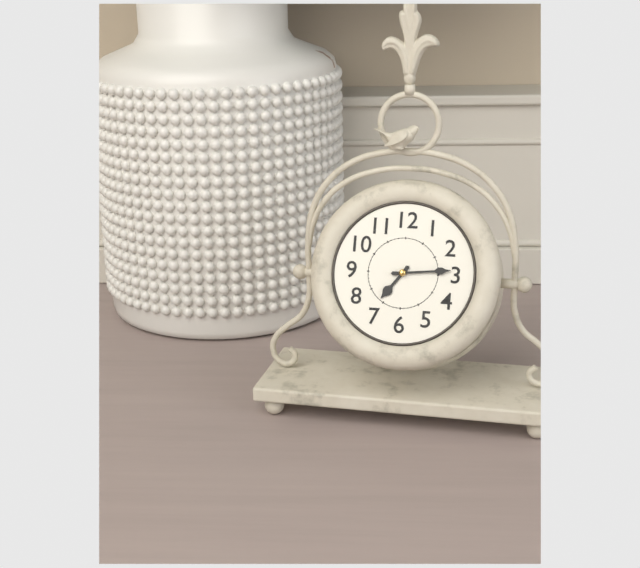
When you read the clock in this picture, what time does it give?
7:14
